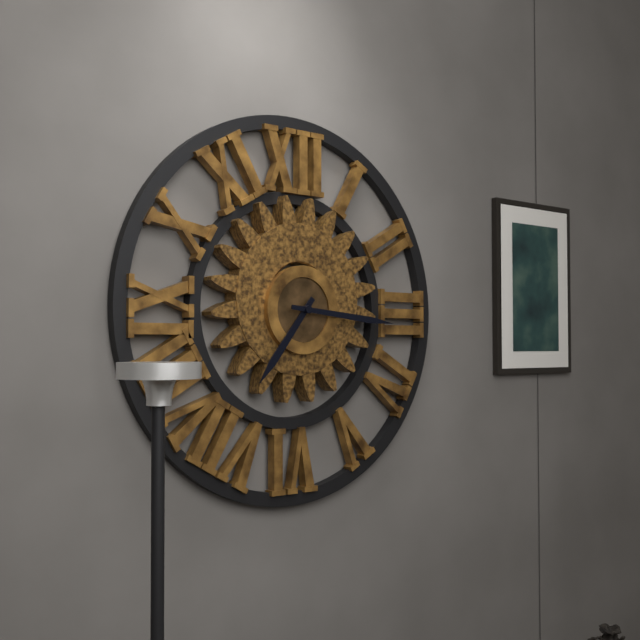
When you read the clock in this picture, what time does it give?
7:16
